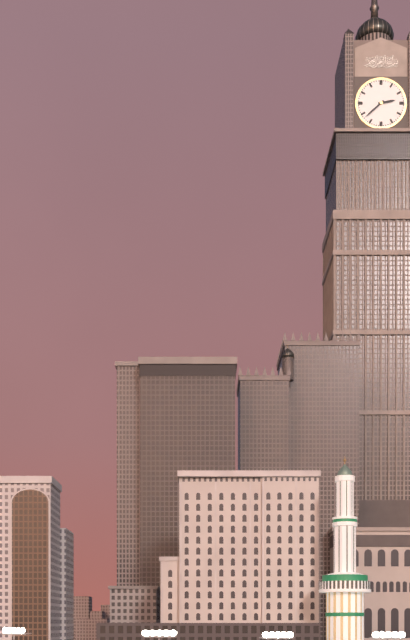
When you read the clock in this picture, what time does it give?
2:38
